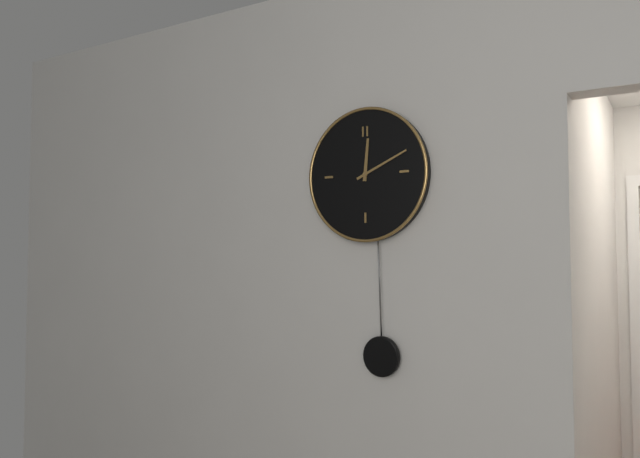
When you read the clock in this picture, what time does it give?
12:11
